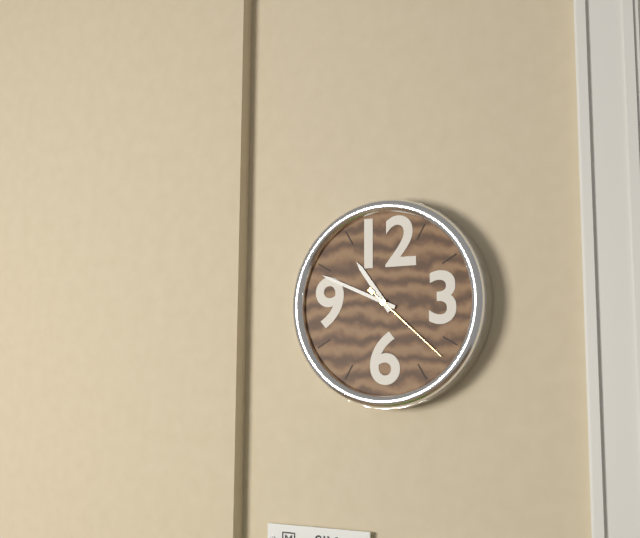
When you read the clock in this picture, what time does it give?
10:49:22
